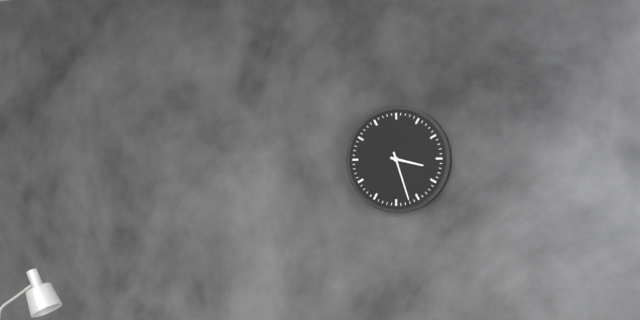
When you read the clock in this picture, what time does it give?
3:27
